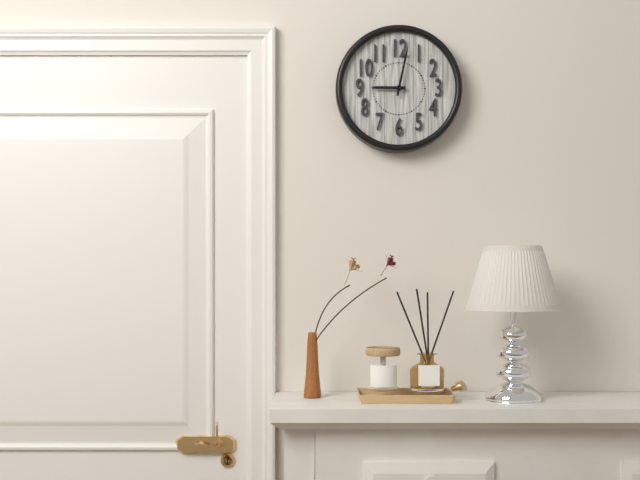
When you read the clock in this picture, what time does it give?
9:02
